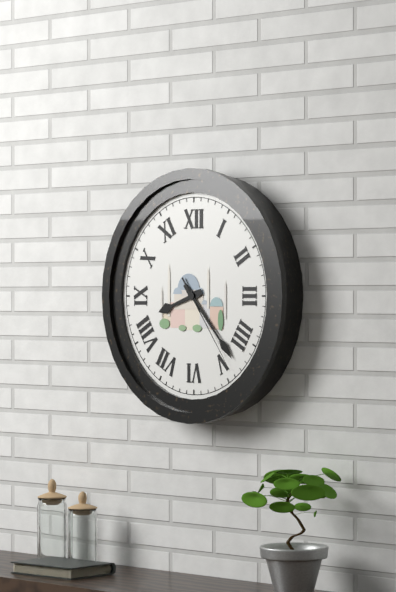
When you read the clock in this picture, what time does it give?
8:23:24
